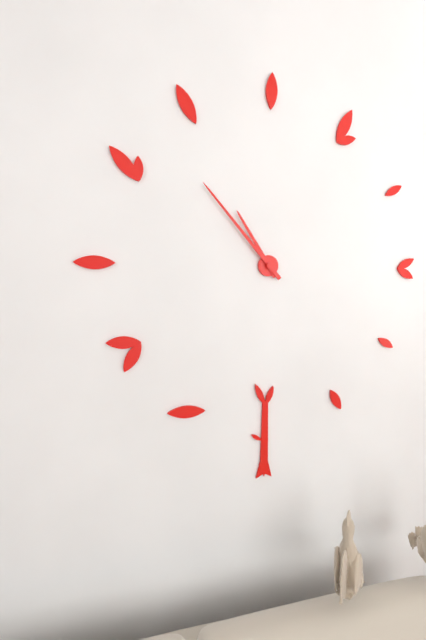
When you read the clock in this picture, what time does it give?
10:53
